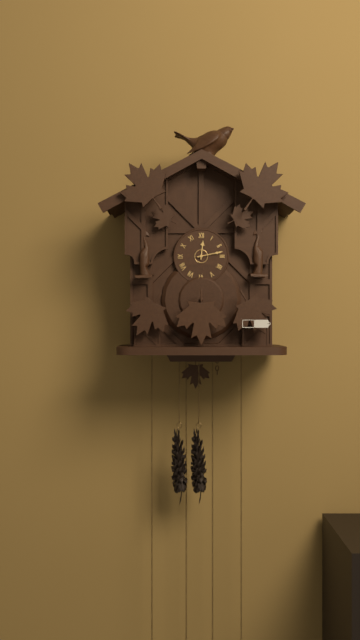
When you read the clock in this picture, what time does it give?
12:13
